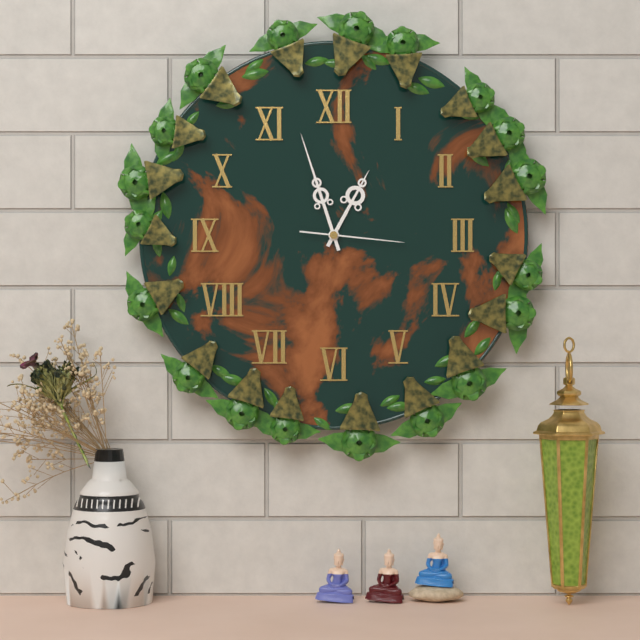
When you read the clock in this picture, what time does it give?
12:57:16
